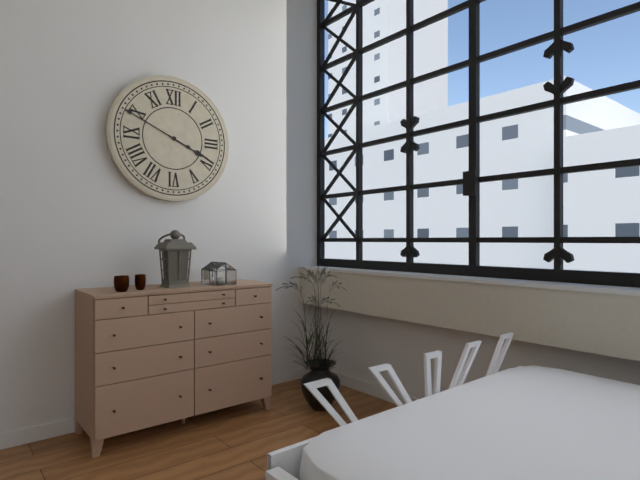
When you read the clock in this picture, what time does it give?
3:49
